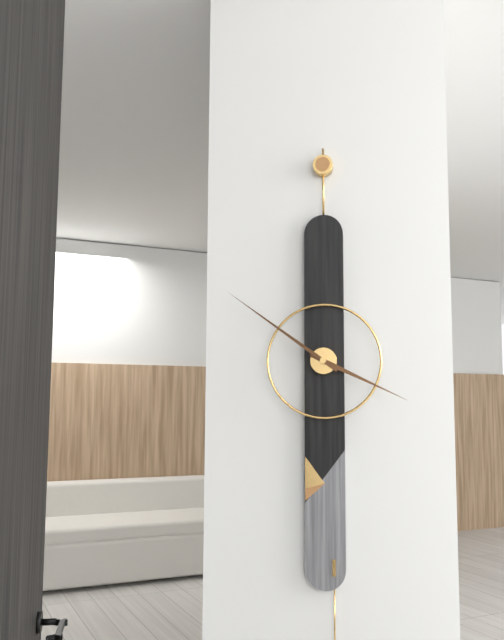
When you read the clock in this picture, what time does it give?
3:51
